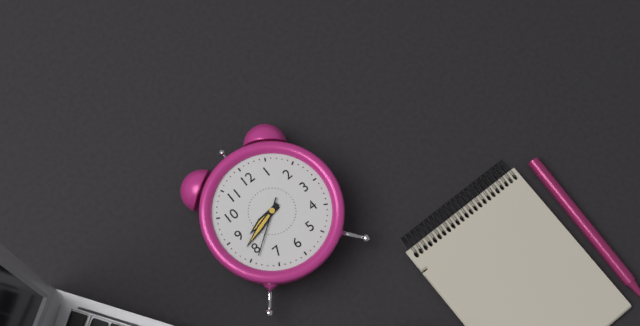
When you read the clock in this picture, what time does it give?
8:42:39
